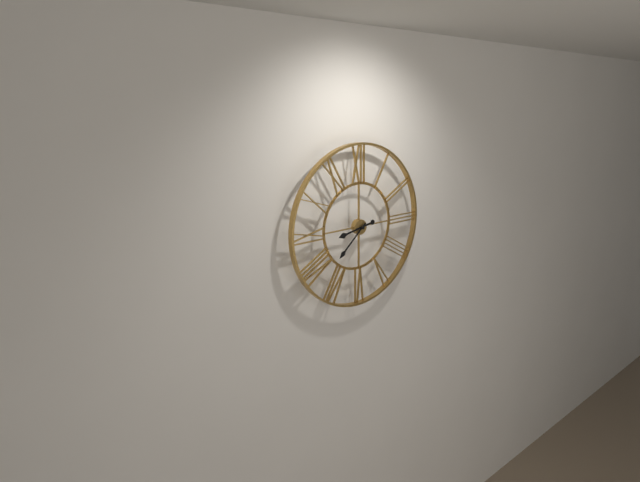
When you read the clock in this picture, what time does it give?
8:38
